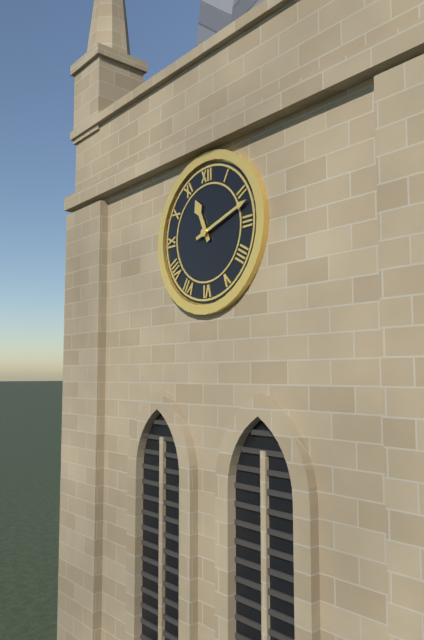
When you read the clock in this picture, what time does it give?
11:12
